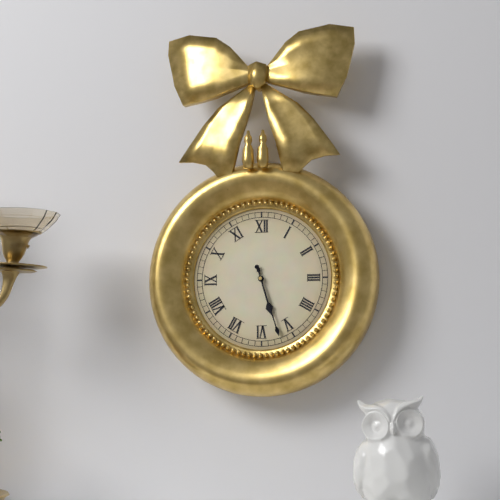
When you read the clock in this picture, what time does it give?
5:27
